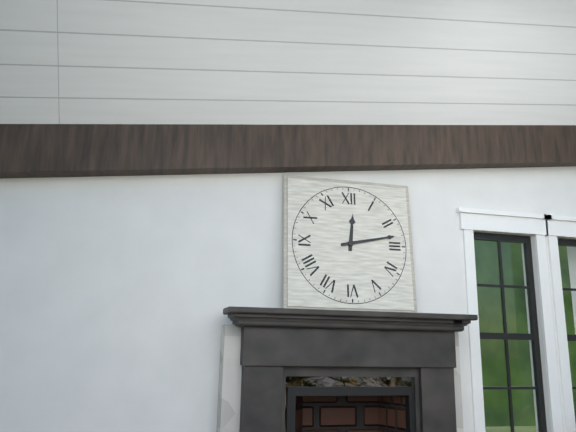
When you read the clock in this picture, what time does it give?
12:13
